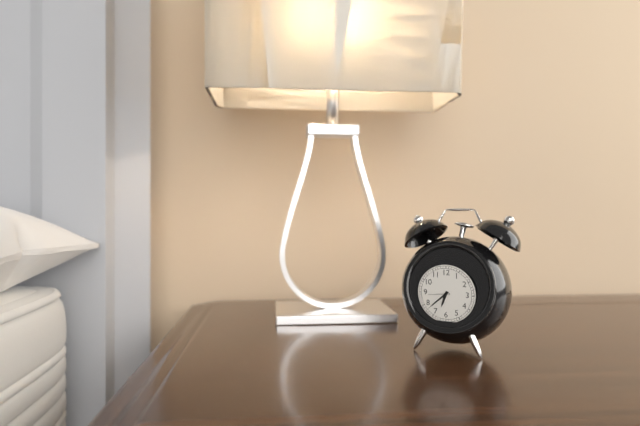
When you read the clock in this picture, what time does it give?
6:38
